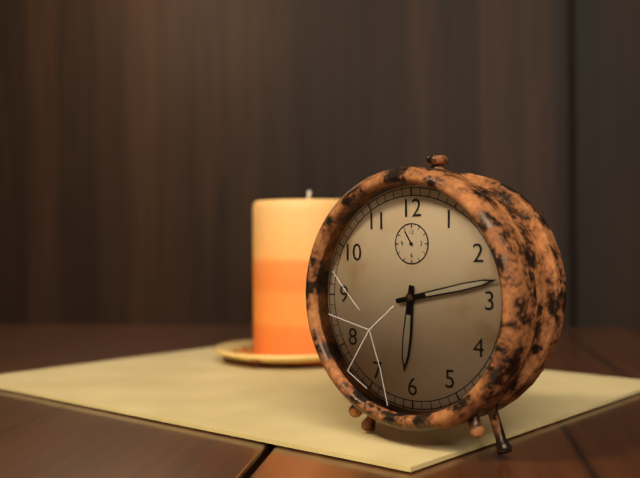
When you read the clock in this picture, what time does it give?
6:13
